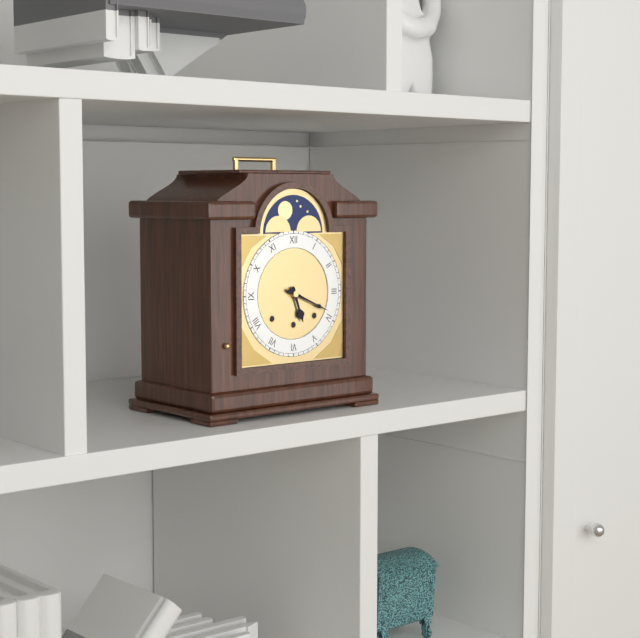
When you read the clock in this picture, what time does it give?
5:19
